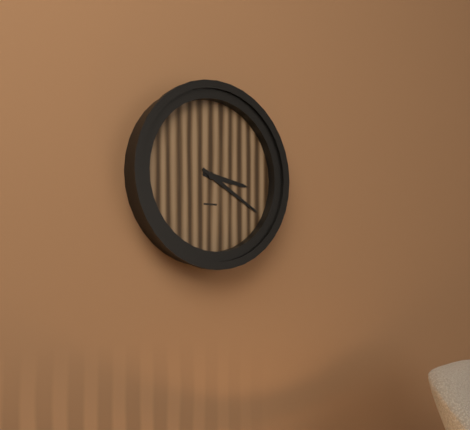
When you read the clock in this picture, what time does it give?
3:20
